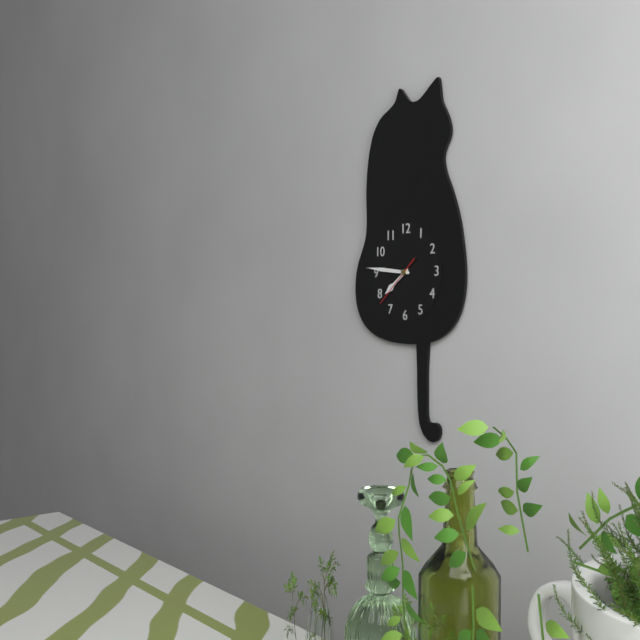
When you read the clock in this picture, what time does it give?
7:46
